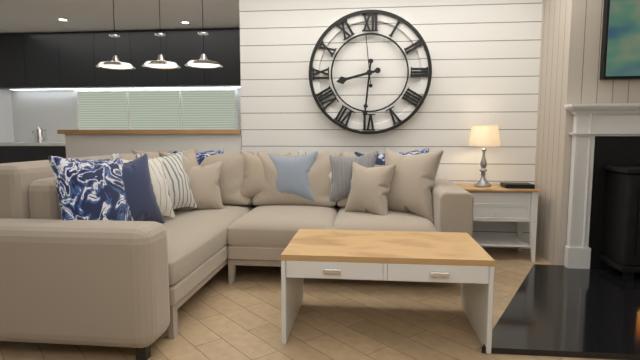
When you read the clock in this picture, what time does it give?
8:31
